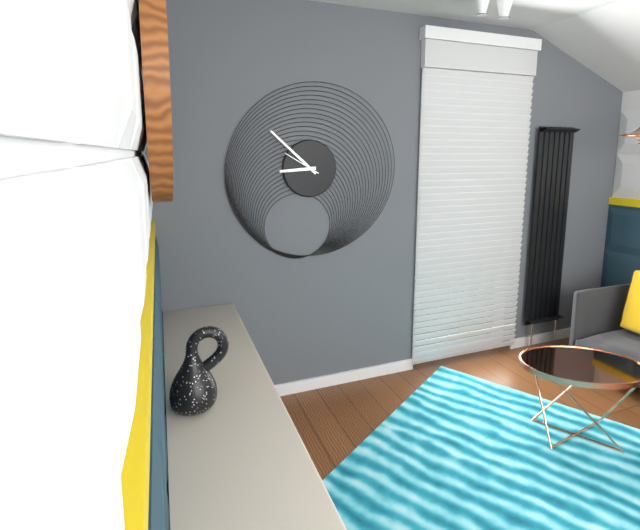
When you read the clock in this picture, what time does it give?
8:52
